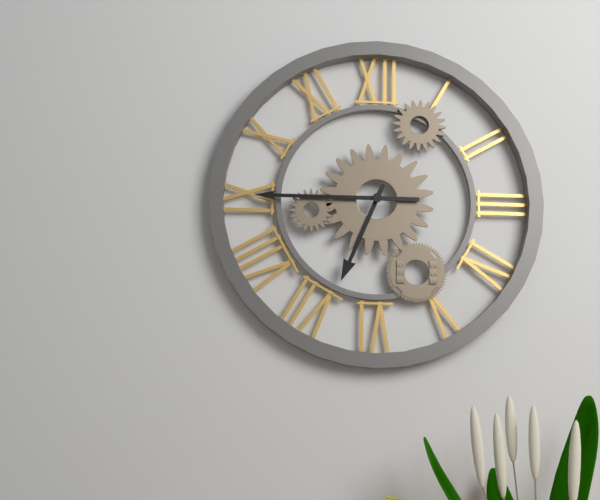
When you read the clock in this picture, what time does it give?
6:45
